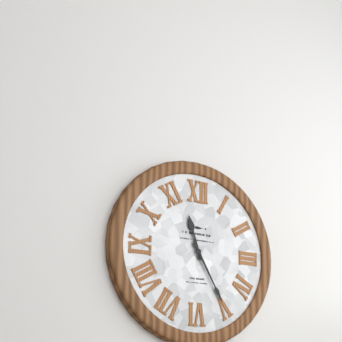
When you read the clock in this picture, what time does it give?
11:25
